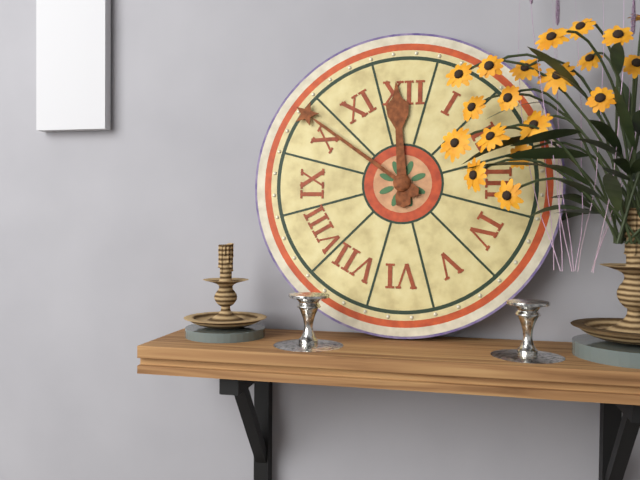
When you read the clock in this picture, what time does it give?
11:51
